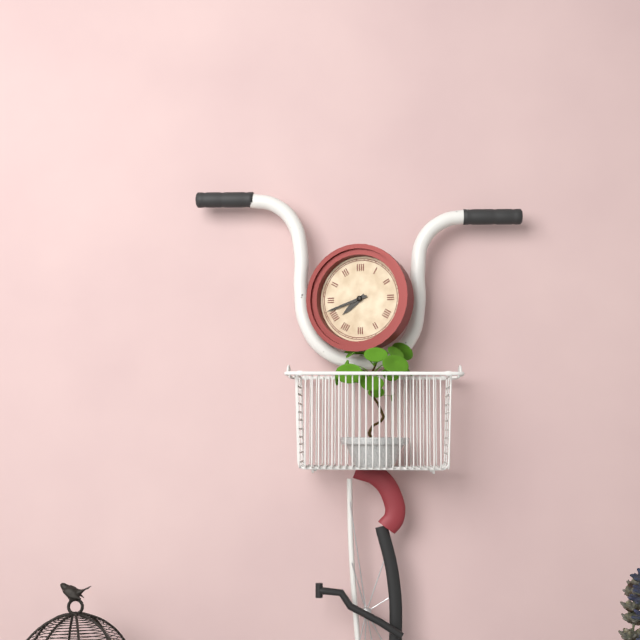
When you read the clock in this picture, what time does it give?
7:42
